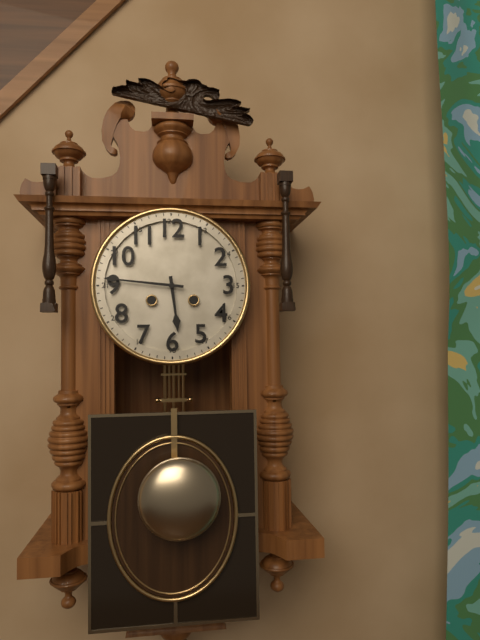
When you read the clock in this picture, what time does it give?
5:46
